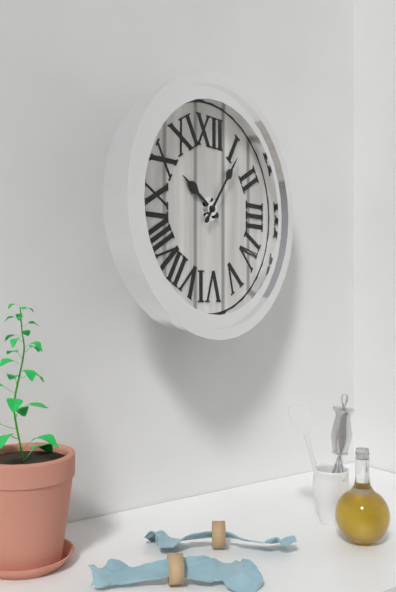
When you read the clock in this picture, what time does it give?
10:06
